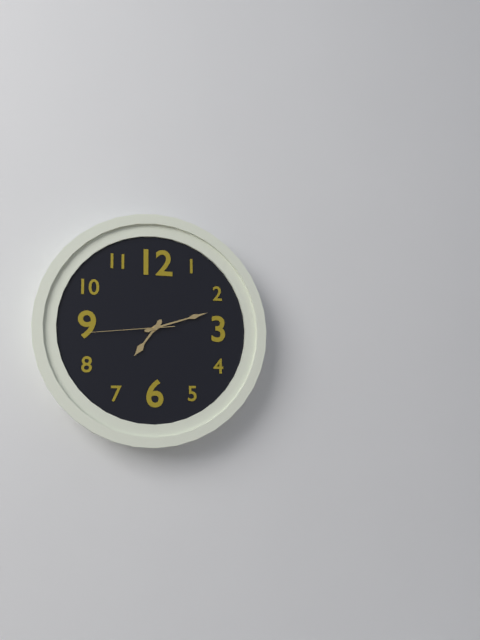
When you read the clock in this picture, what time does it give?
7:12:44
